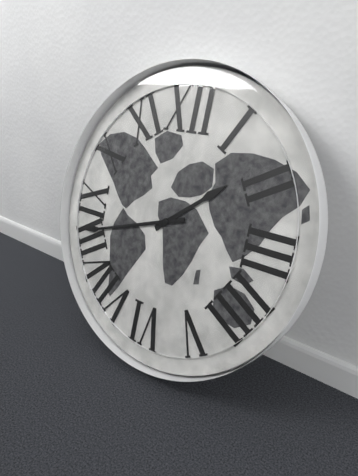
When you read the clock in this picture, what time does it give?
1:42
